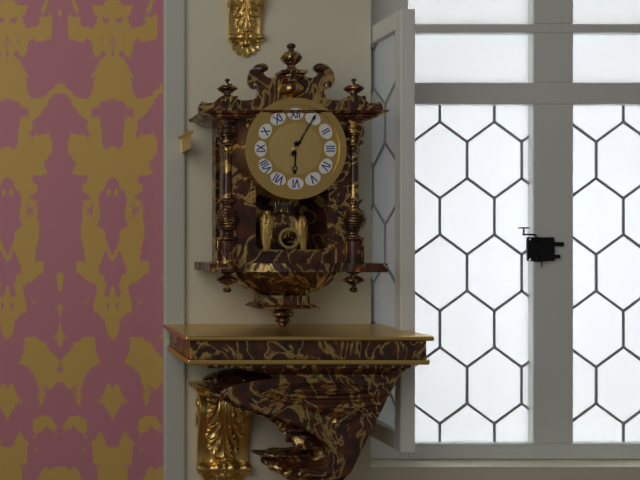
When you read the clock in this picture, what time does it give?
6:05
